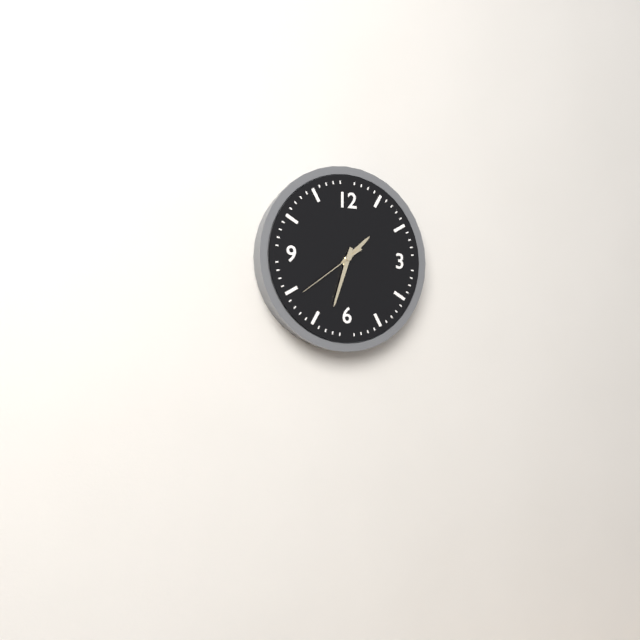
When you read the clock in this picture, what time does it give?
1:33:39
